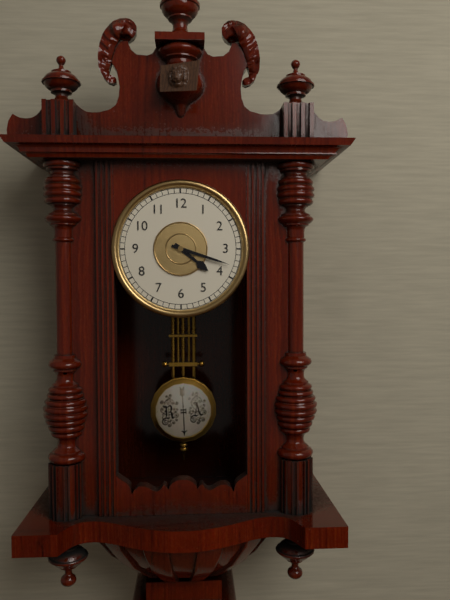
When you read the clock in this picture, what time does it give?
4:18
